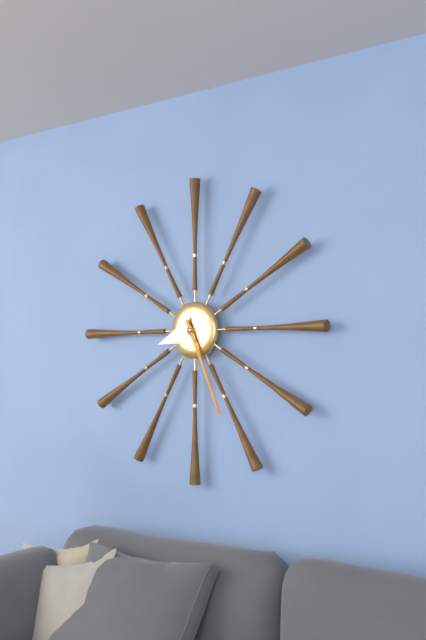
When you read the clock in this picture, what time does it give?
8:26
